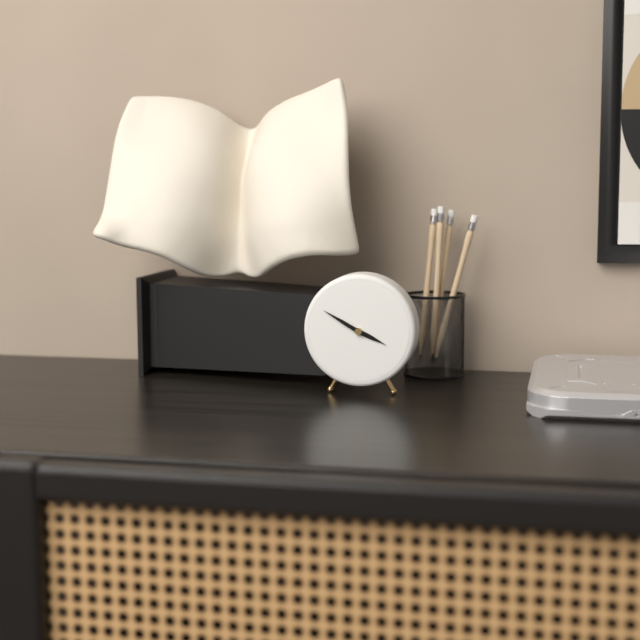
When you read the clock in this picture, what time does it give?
3:50
